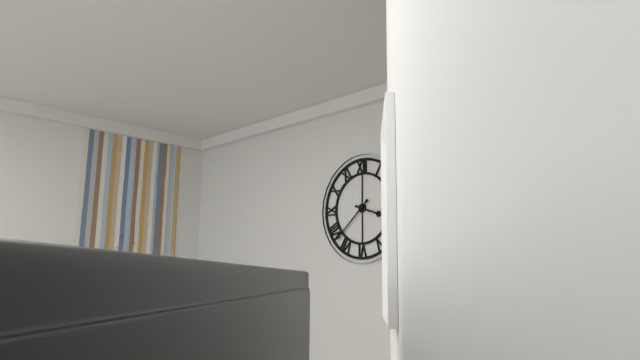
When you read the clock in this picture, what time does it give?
3:38
